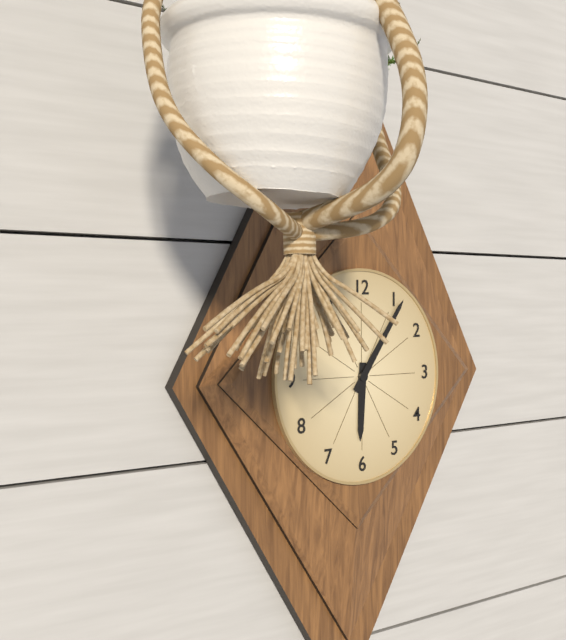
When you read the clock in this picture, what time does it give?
6:06
